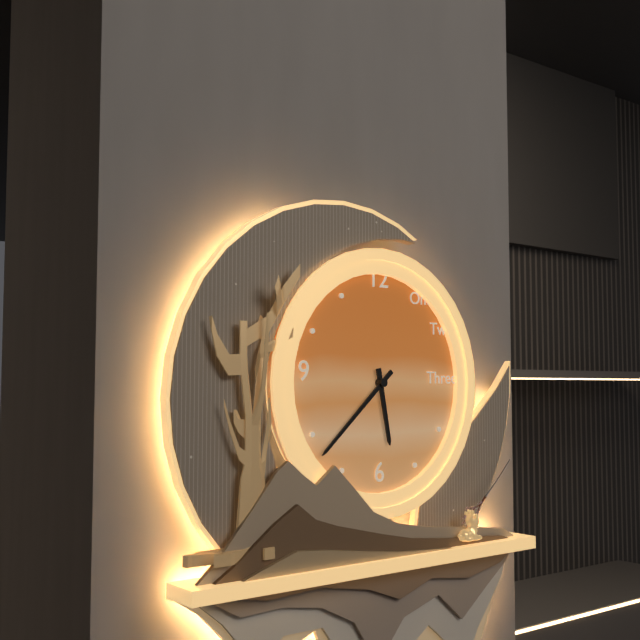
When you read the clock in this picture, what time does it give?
5:38
